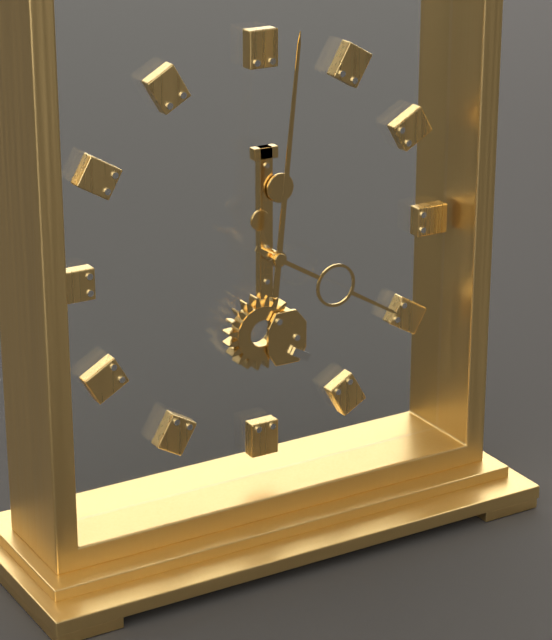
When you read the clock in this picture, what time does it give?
4:01
